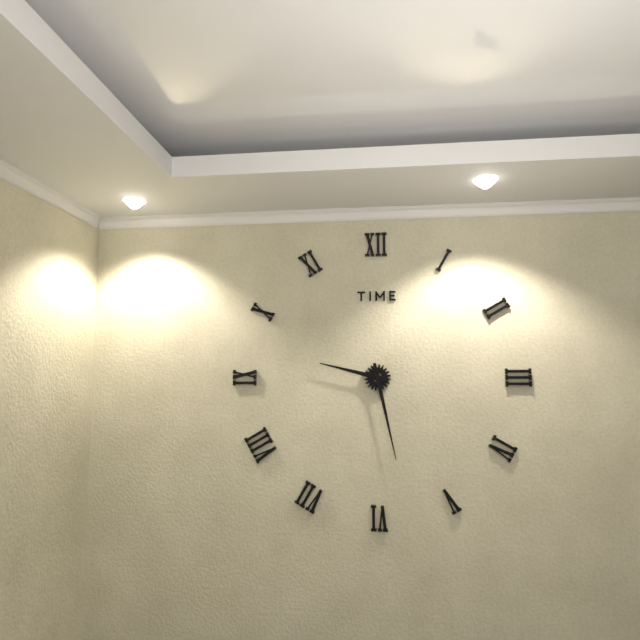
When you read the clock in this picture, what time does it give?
9:28
